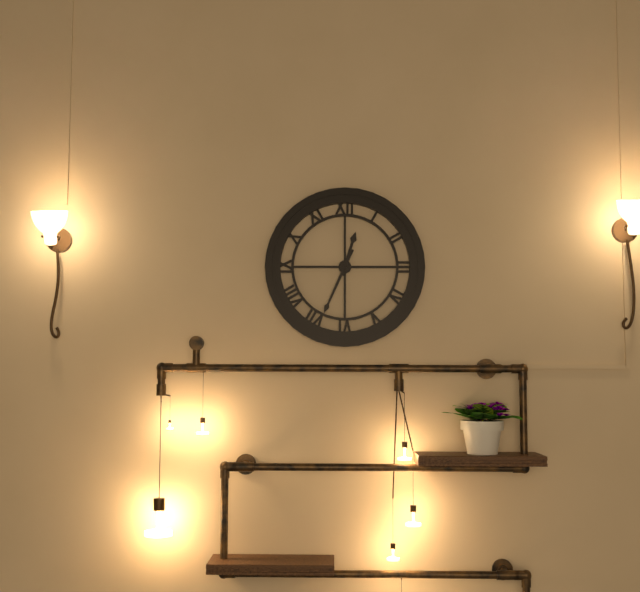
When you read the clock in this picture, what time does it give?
12:34
